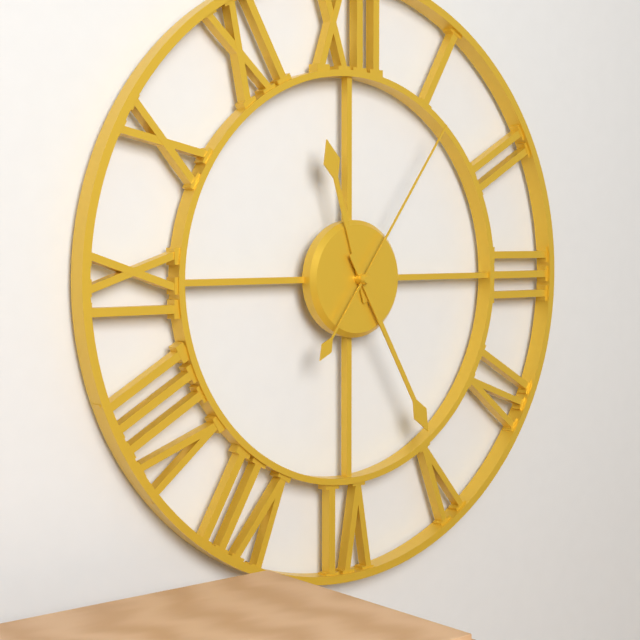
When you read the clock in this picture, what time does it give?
11:25:06
